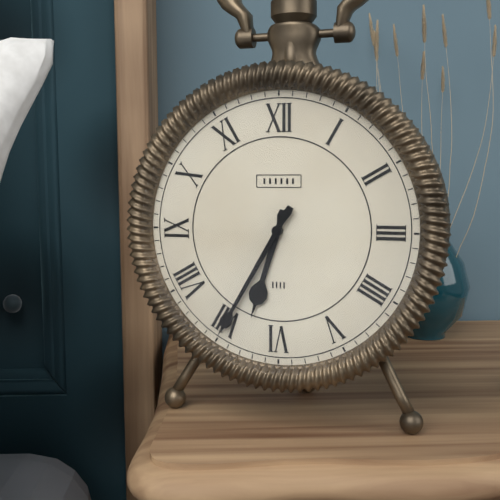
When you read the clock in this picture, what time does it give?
6:35
